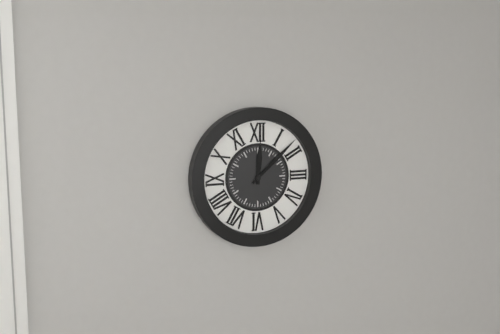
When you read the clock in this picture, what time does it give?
12:08
